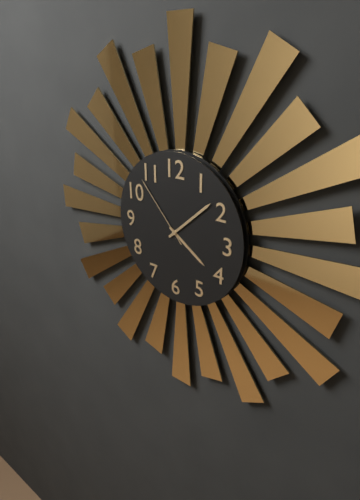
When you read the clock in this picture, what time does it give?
4:08:53
